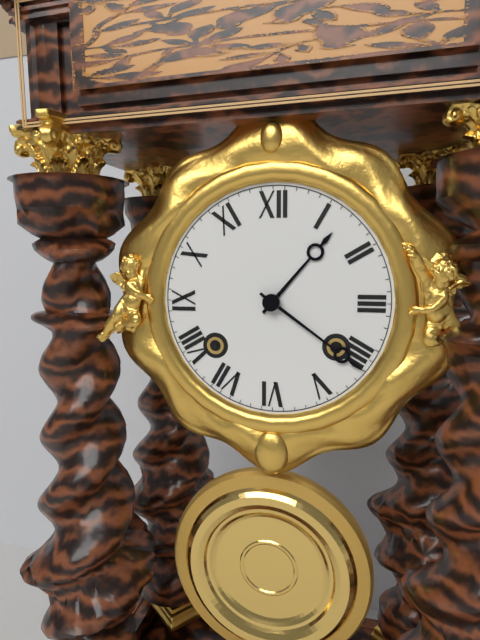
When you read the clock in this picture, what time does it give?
1:21
